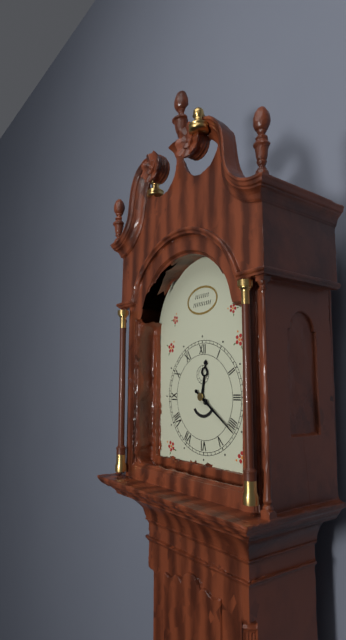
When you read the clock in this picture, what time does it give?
12:21
